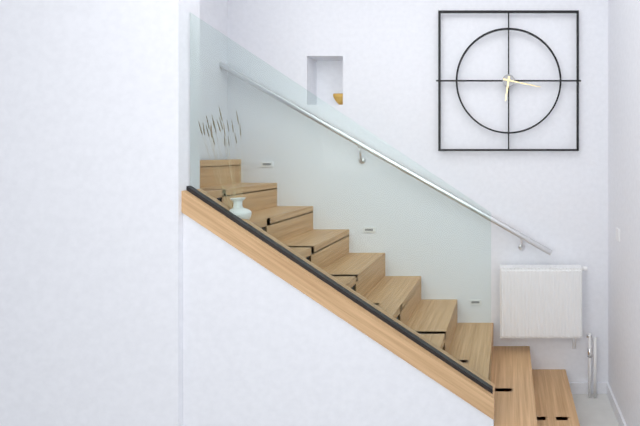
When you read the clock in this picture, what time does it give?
6:17
